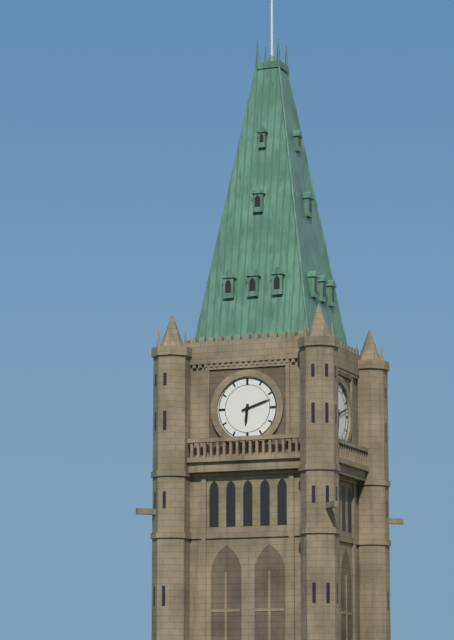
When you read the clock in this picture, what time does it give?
6:12
